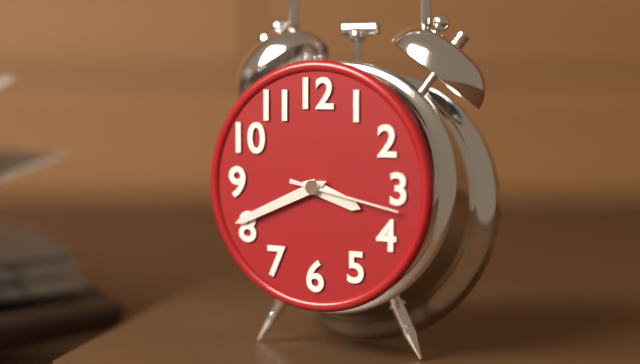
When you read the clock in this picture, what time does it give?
3:41:17
